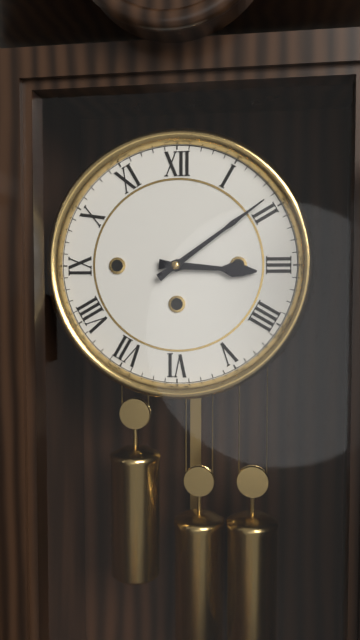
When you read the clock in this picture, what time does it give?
3:09
